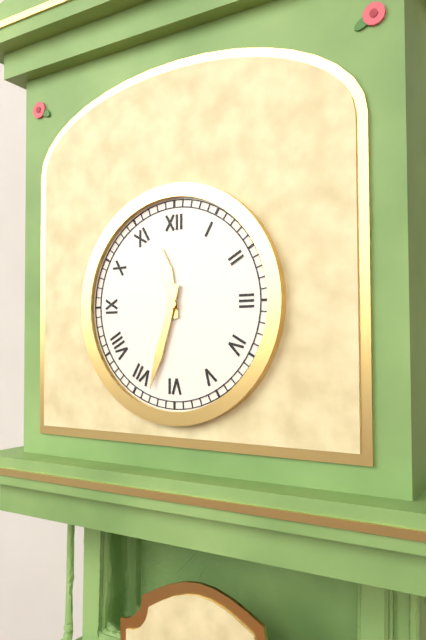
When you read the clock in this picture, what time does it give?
11:33
